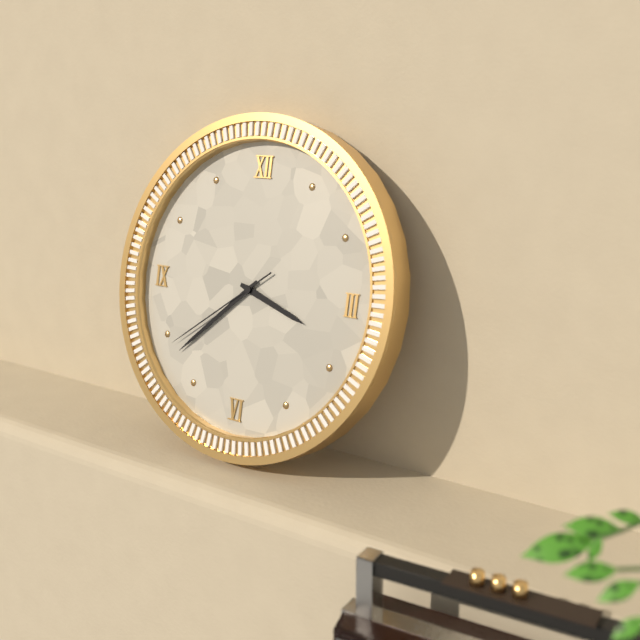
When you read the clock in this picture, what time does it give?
3:38:39
